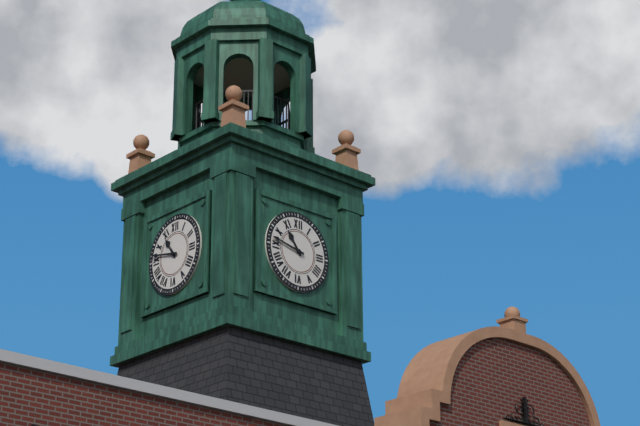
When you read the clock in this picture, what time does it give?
10:47
